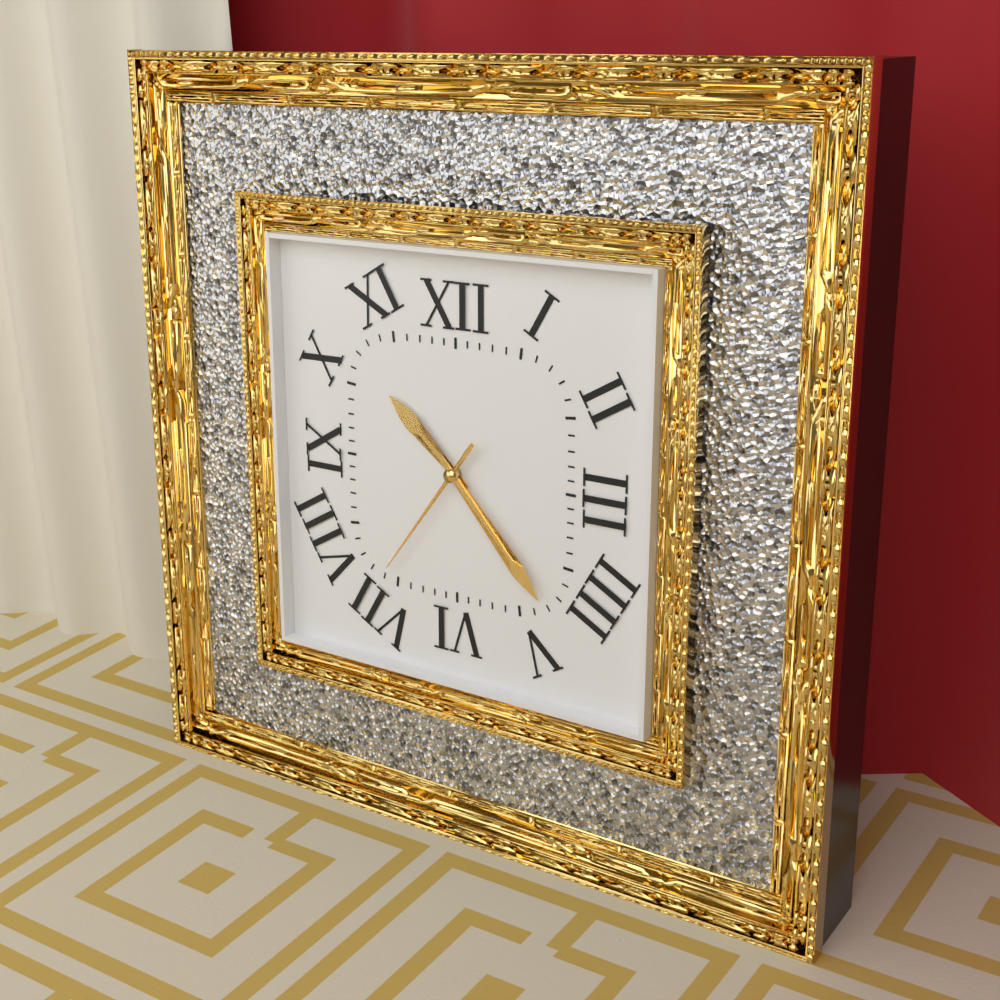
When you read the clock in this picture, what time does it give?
10:23:36
